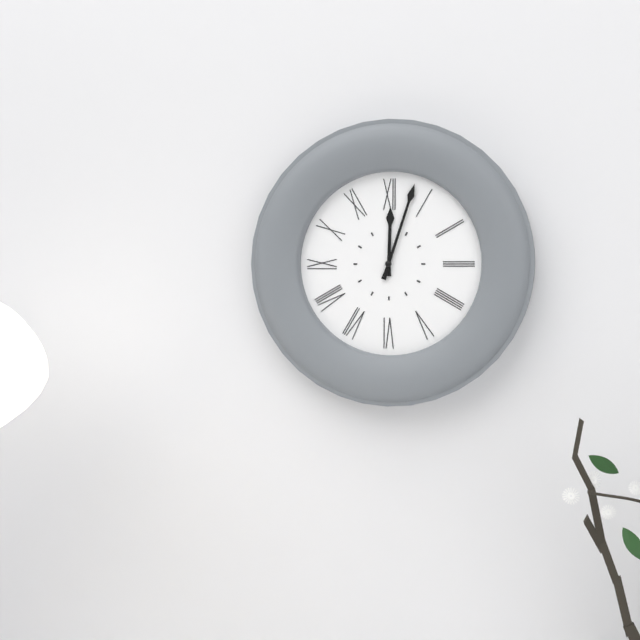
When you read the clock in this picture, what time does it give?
12:03
